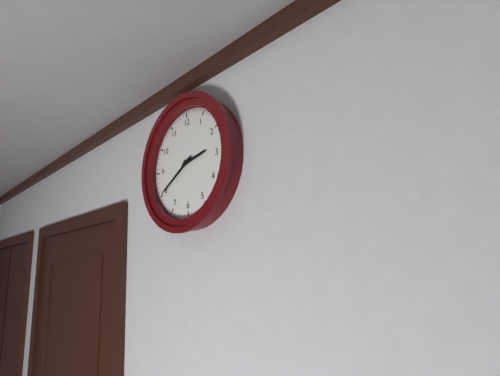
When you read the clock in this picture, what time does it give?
2:40
